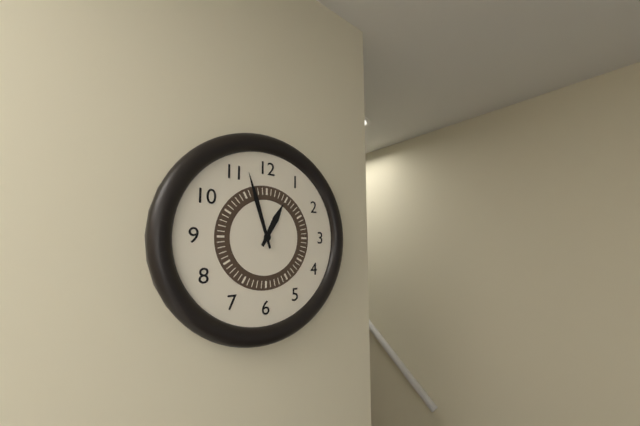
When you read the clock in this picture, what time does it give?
12:57
